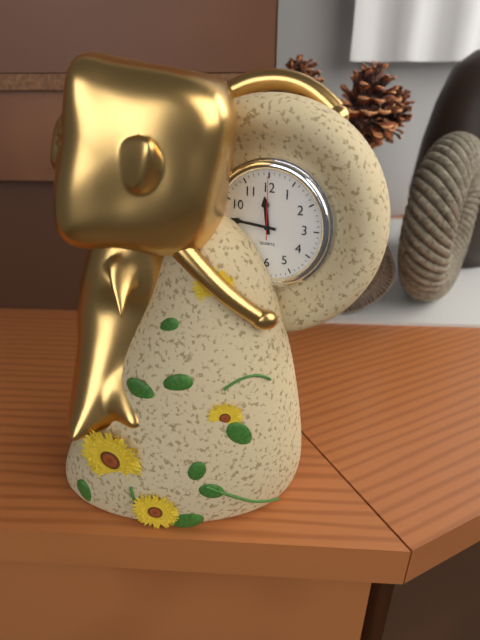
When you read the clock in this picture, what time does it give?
11:46:00
